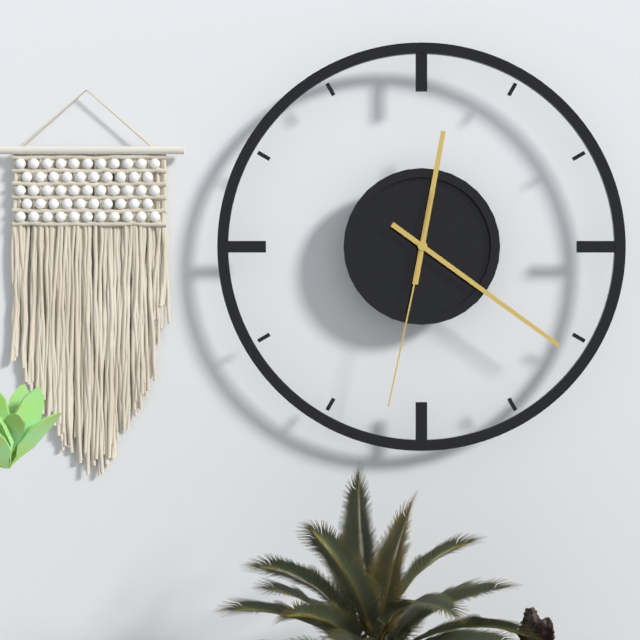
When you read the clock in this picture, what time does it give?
12:21:32
